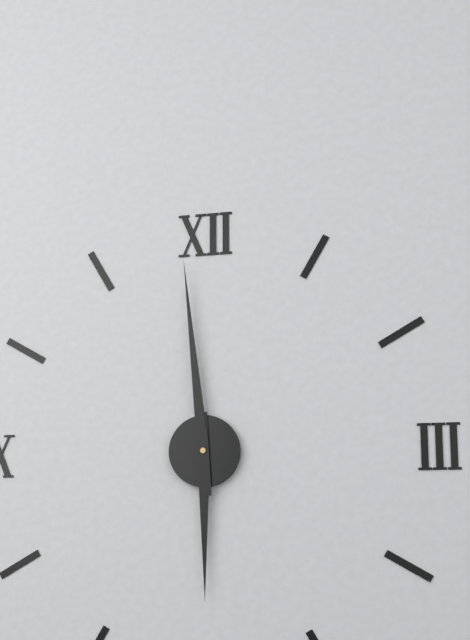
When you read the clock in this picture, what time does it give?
5:59
